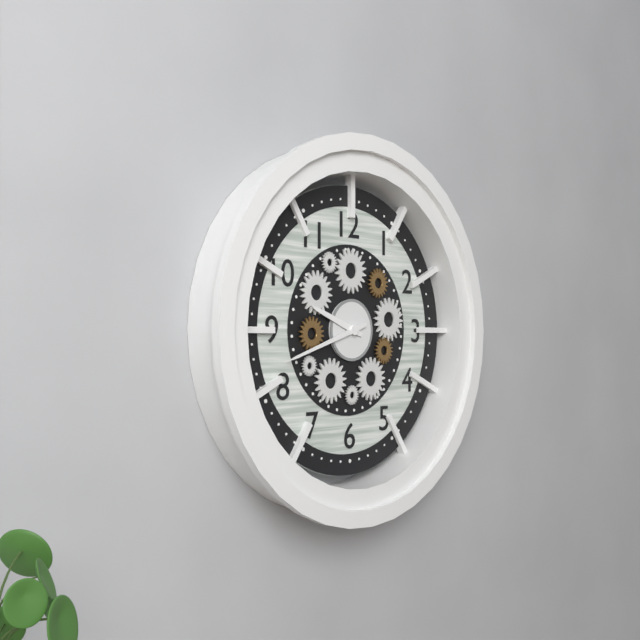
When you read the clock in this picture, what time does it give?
9:42
